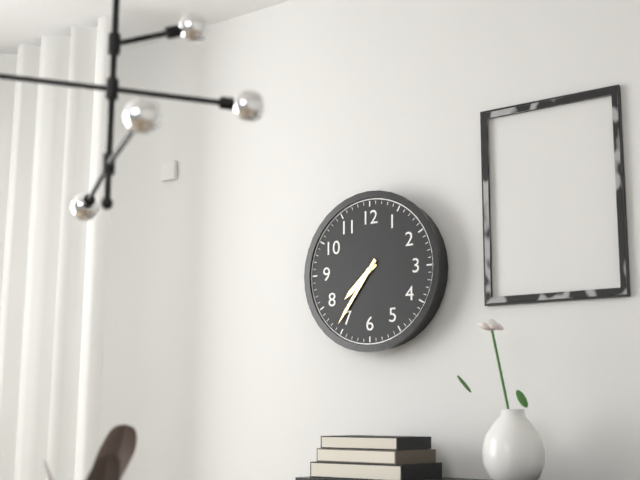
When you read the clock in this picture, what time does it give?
7:36
